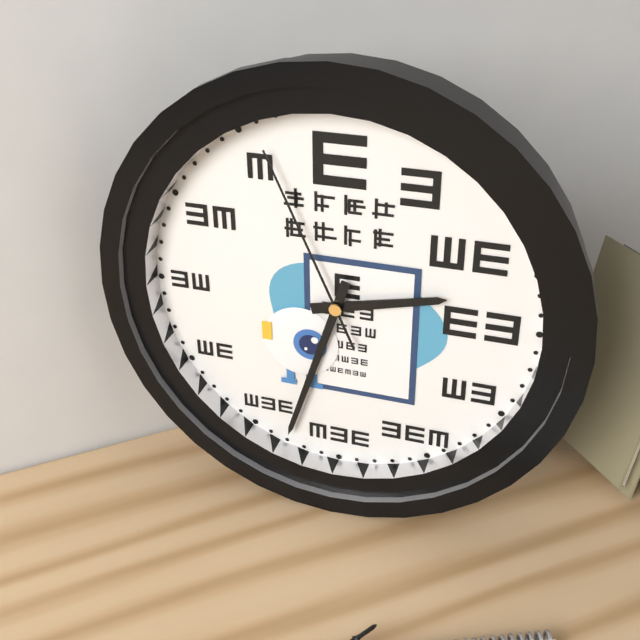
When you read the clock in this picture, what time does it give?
2:33:56
